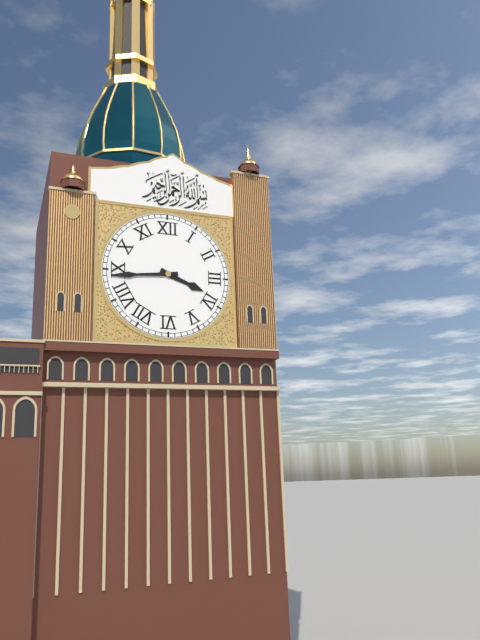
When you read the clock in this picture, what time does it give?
3:44
